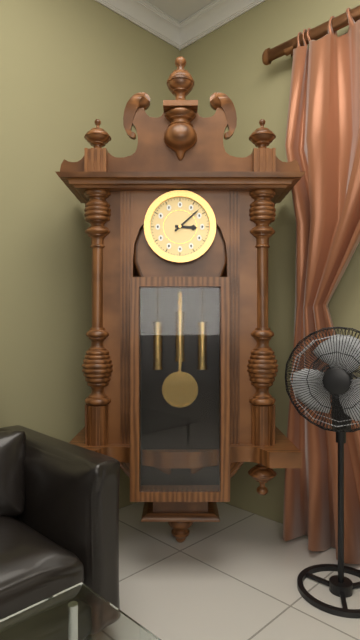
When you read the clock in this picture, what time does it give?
3:08
